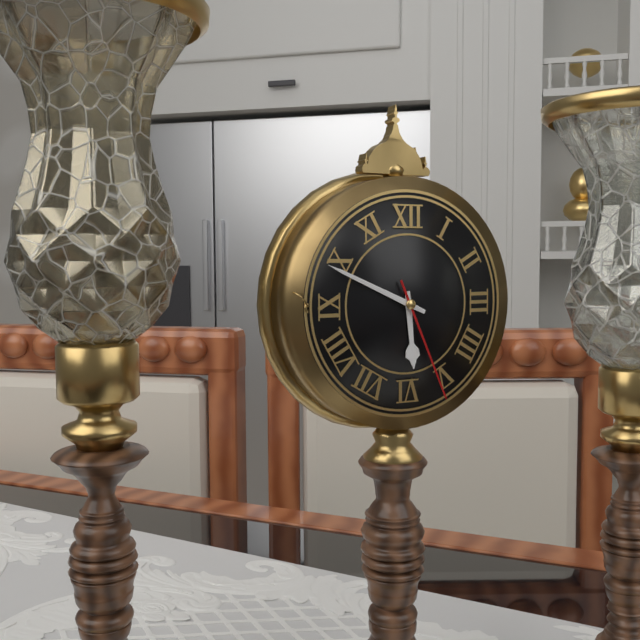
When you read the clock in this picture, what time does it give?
5:49:26
